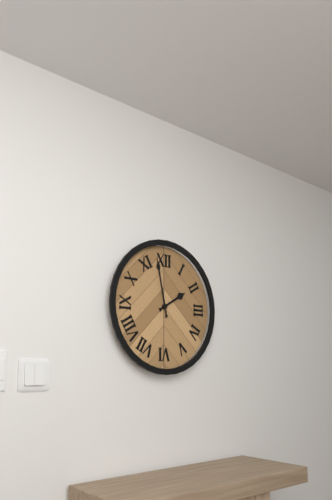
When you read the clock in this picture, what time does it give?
1:58
